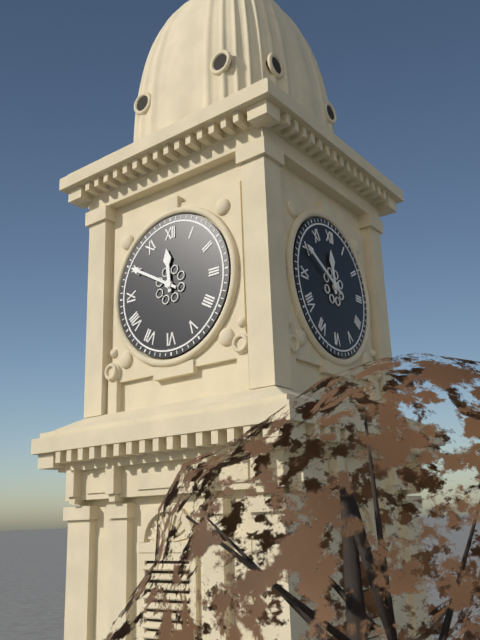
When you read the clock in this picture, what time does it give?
11:50
